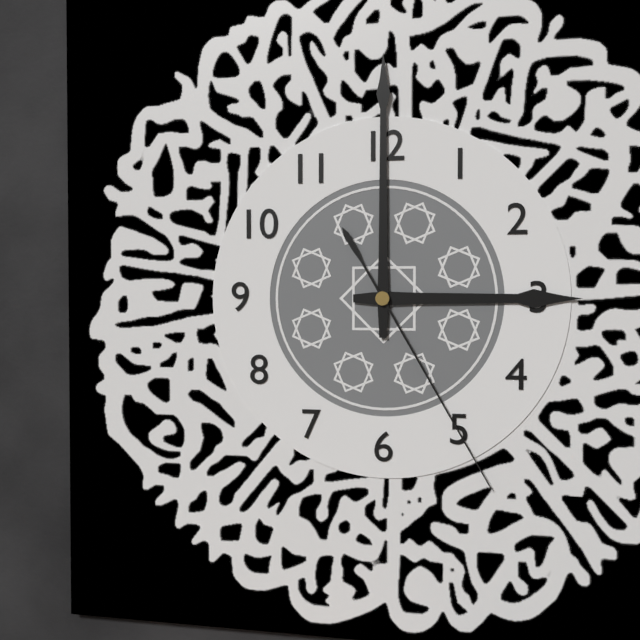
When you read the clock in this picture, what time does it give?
3:00:25
